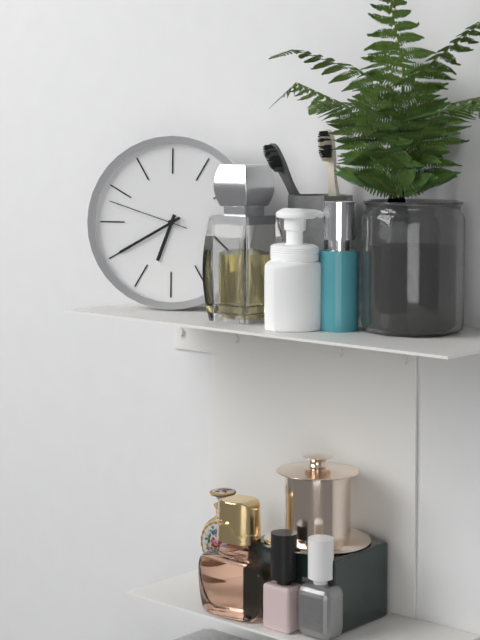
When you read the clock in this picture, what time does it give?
6:40:48
